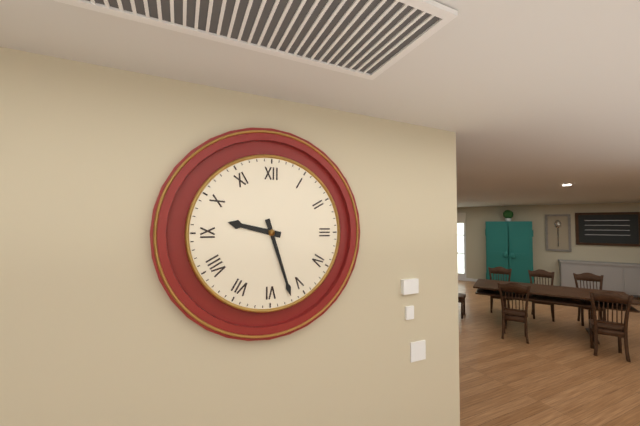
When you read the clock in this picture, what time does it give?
9:27
